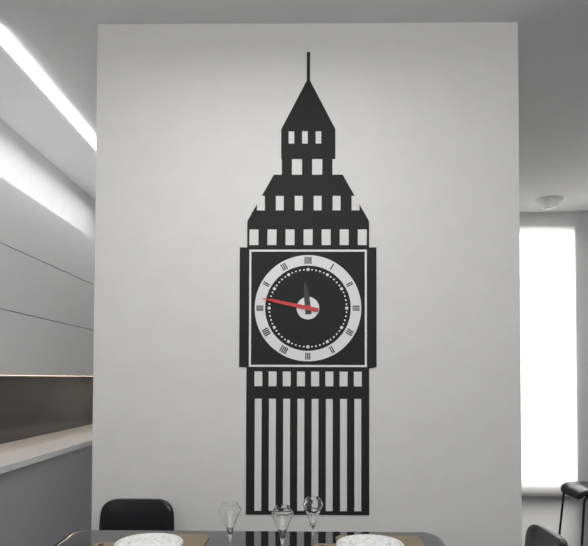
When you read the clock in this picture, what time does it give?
11:47
